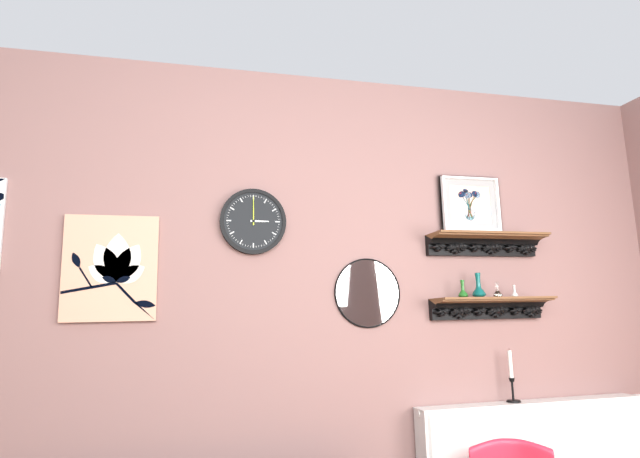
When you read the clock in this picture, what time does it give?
3:00
